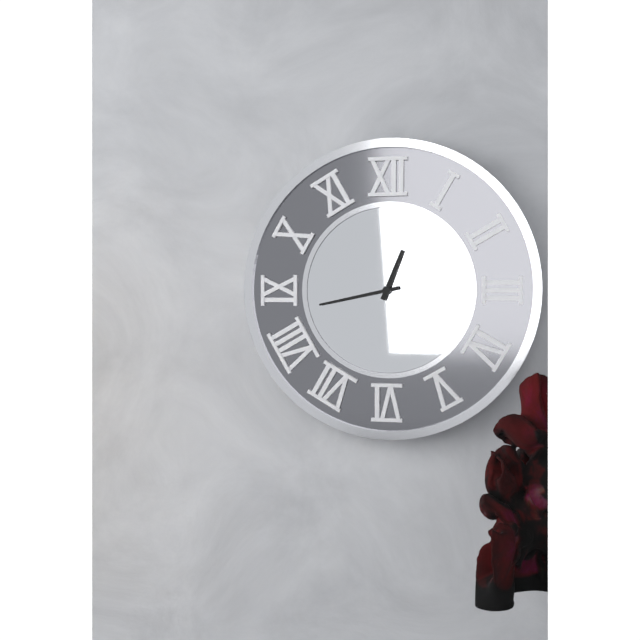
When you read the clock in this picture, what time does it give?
12:43
